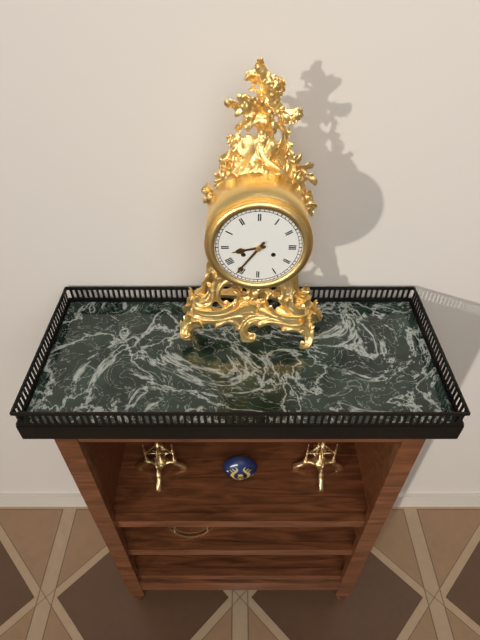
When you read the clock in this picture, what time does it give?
8:36
